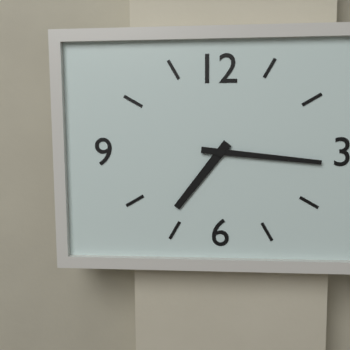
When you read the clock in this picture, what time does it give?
7:16
